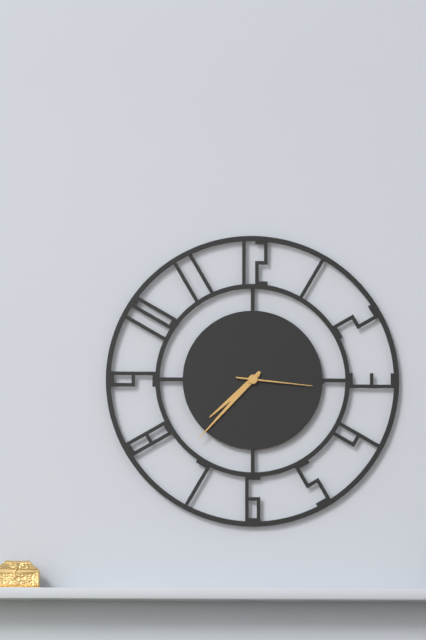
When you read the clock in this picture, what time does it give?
7:37:16
